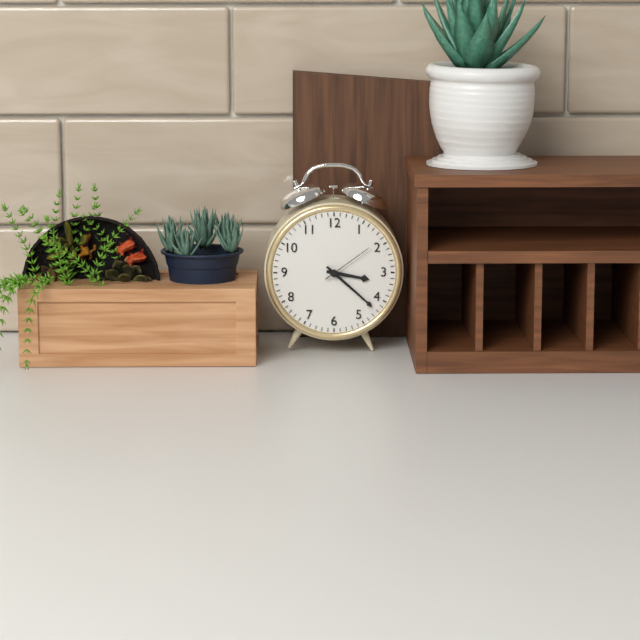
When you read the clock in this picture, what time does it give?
3:22:09
